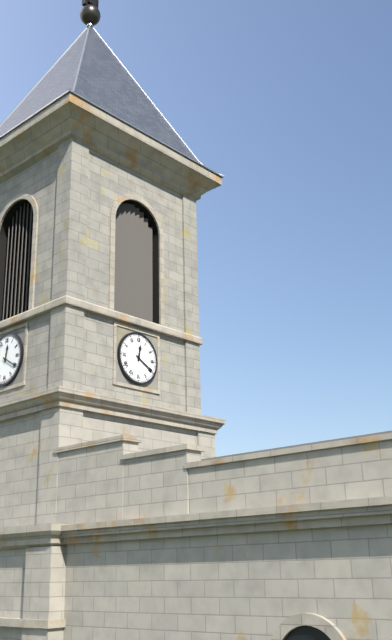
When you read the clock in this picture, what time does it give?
12:20
